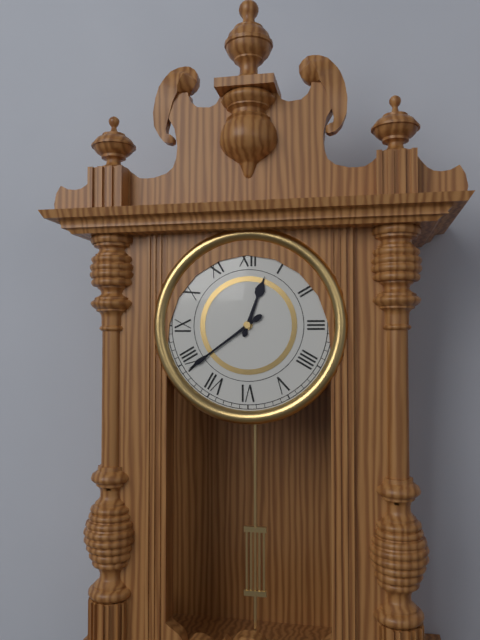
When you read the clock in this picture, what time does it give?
12:39
